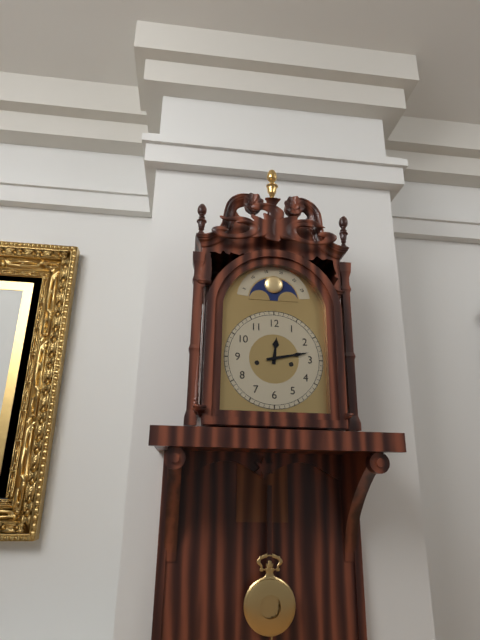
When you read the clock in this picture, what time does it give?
12:13
